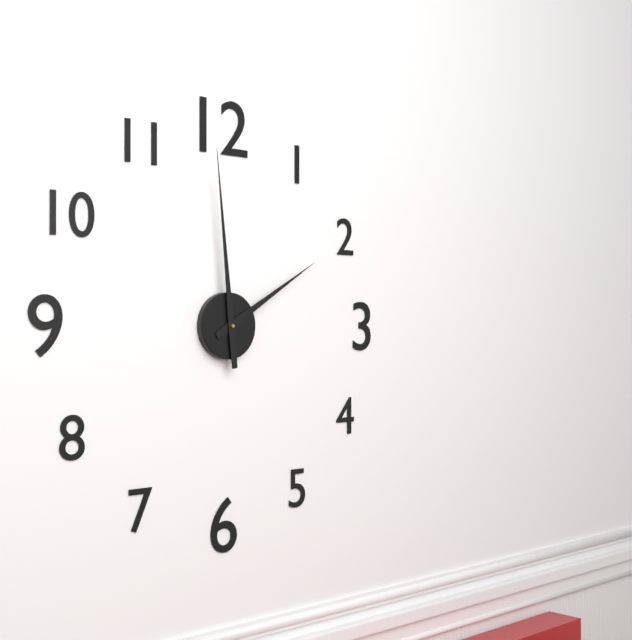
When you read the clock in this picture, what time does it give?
1:59
